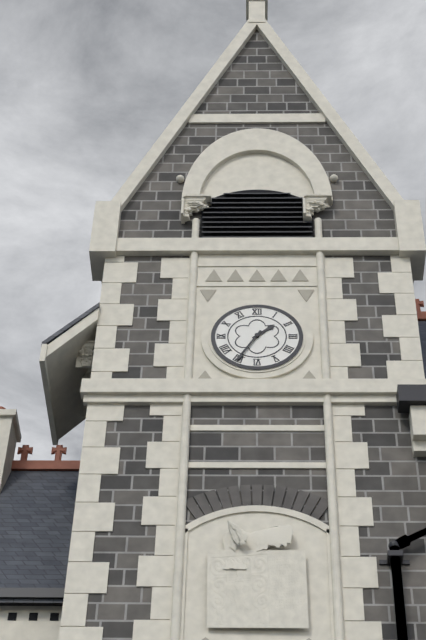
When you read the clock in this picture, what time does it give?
1:35
